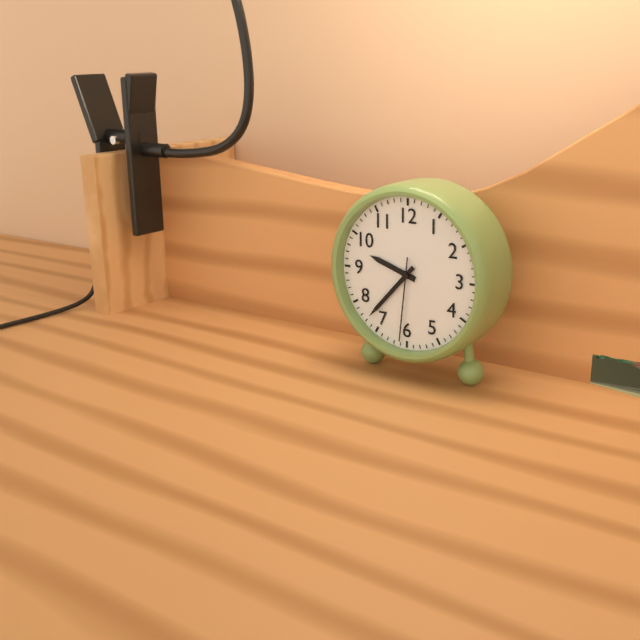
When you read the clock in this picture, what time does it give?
9:37:31
